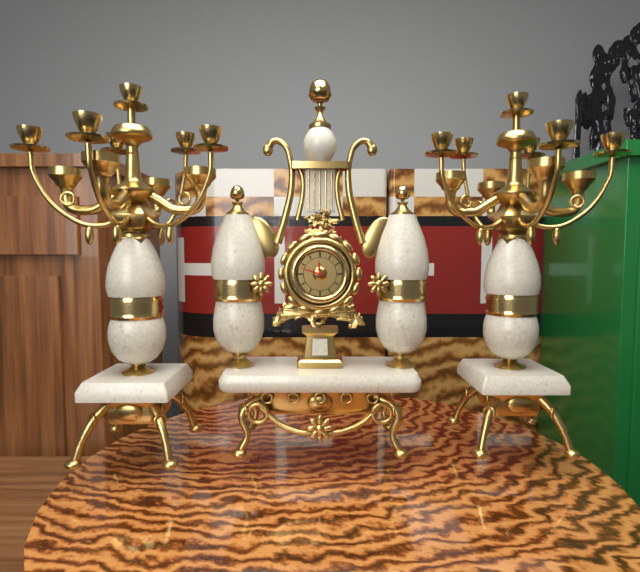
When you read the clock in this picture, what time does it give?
11:48
